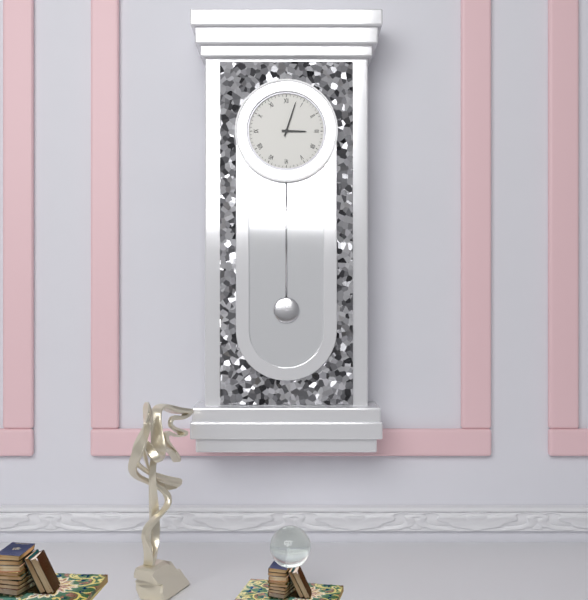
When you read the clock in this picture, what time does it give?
3:03
